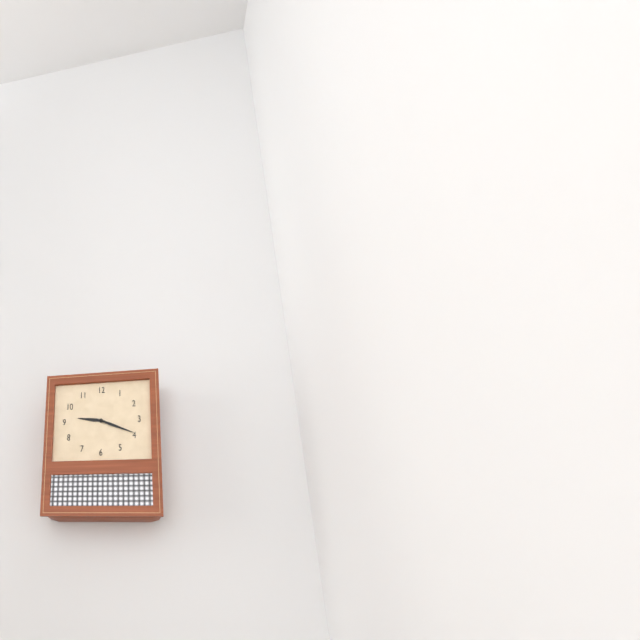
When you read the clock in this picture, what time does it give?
9:19
